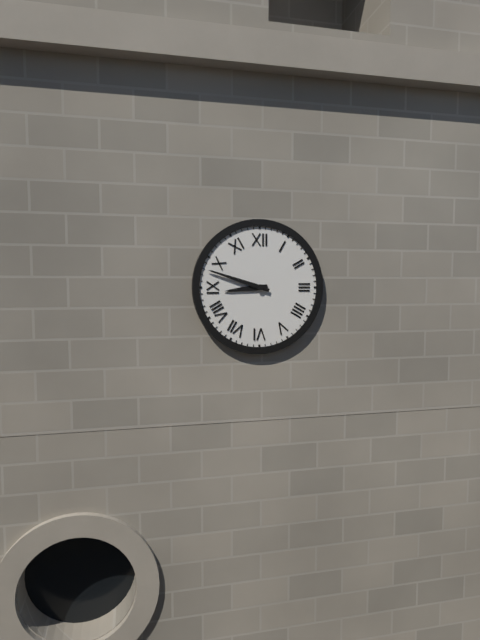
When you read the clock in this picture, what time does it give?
8:48
